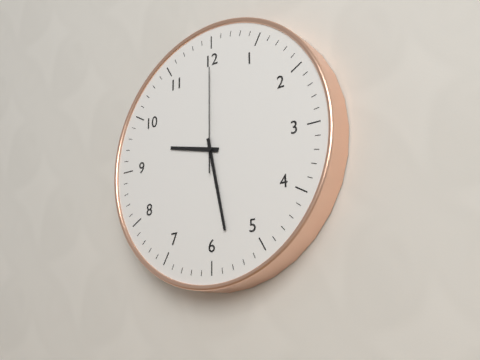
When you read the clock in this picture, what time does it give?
9:28:00
